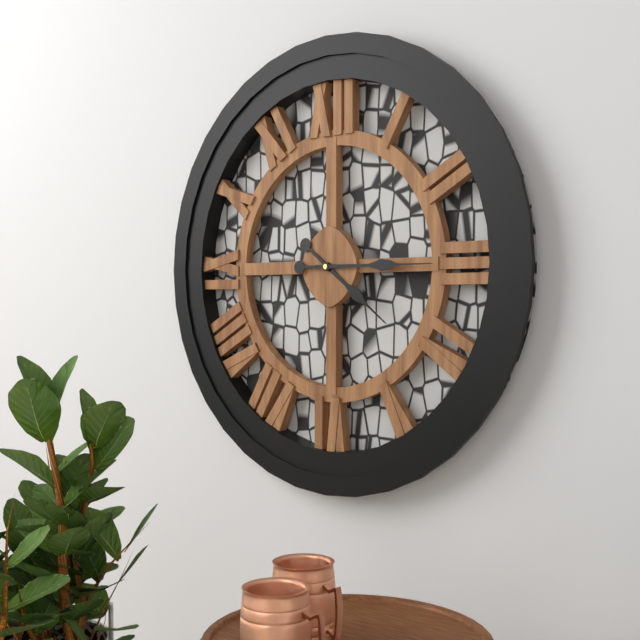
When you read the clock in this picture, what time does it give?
4:15
